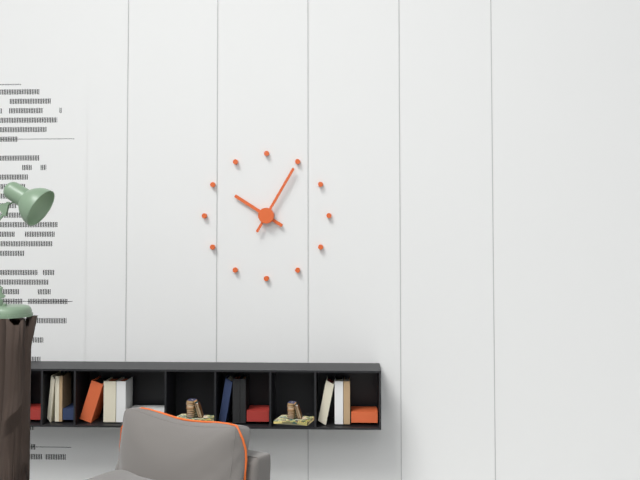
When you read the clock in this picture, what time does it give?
10:05
